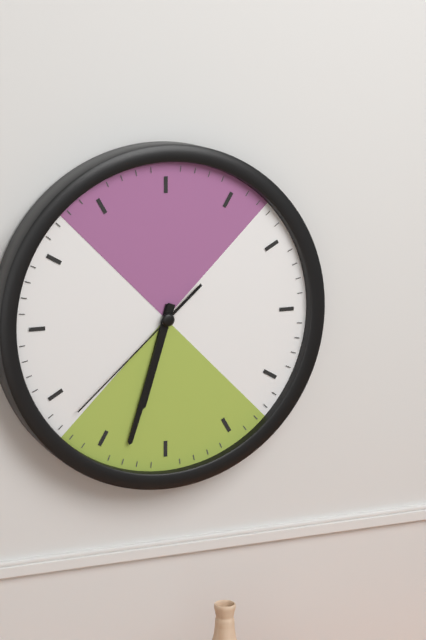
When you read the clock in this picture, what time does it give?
6:33:38
